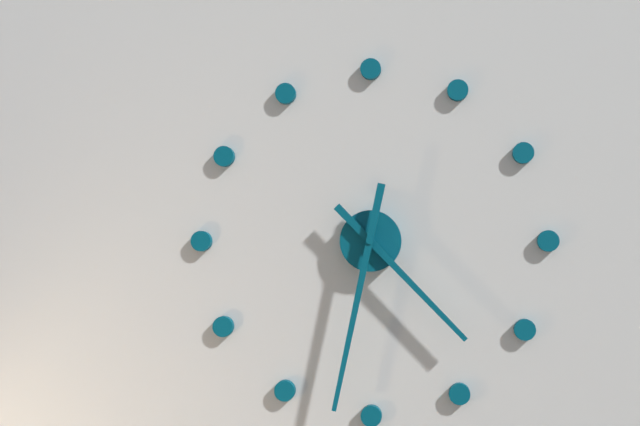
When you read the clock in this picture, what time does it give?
4:32
